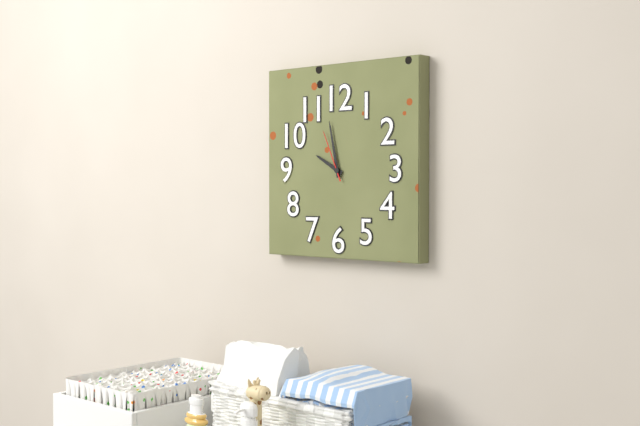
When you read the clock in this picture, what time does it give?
9:58:56
